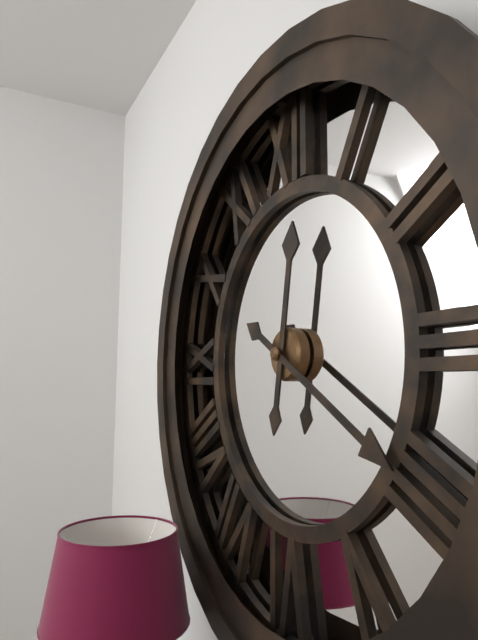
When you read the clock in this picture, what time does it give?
12:20
